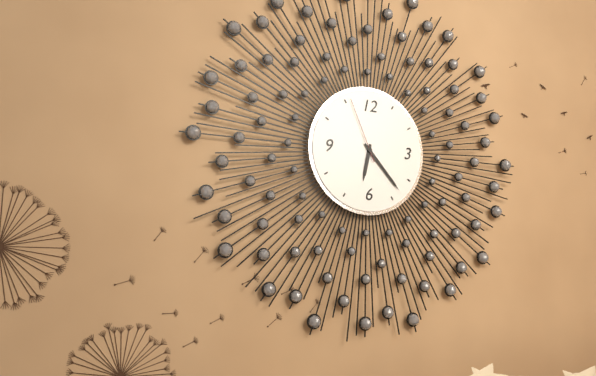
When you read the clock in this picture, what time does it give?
6:23:56
